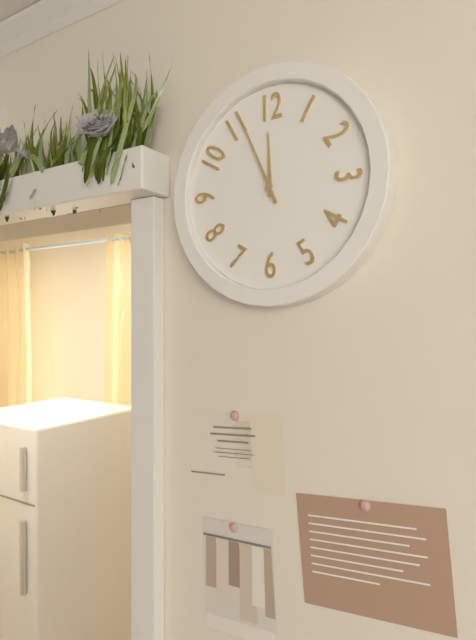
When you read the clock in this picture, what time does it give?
11:56
